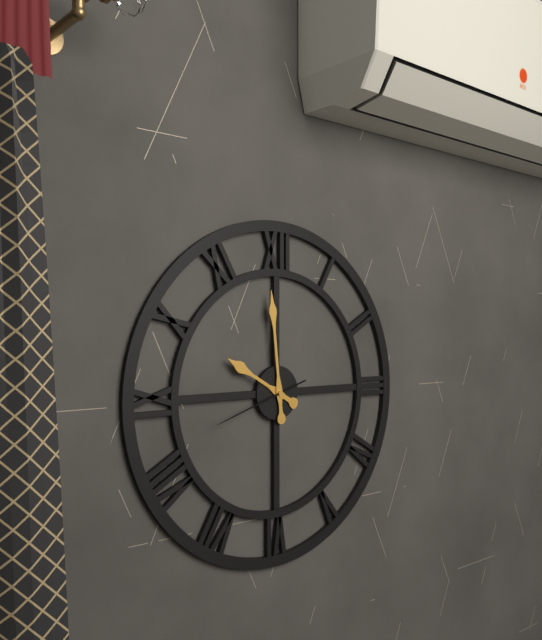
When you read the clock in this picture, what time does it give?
9:59:42
